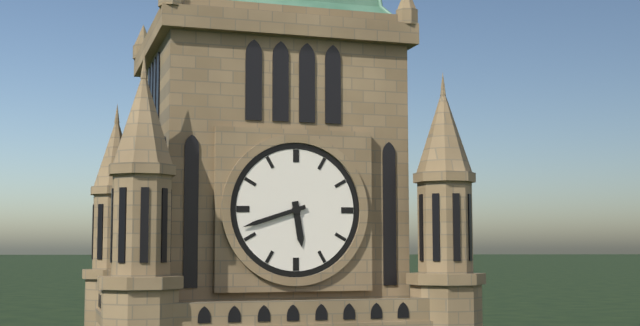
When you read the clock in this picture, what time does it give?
5:42
